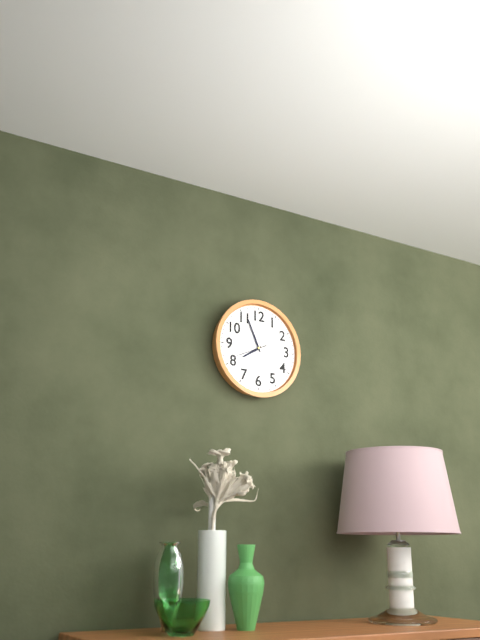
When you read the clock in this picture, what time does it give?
7:56
